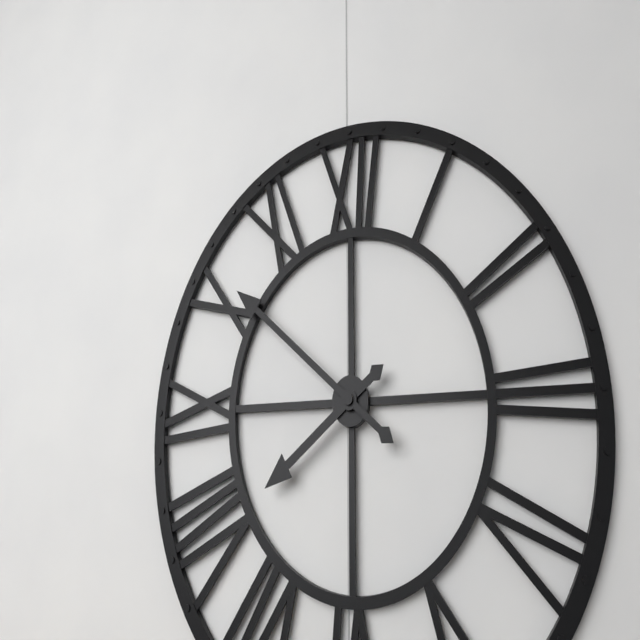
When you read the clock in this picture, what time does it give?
7:51
